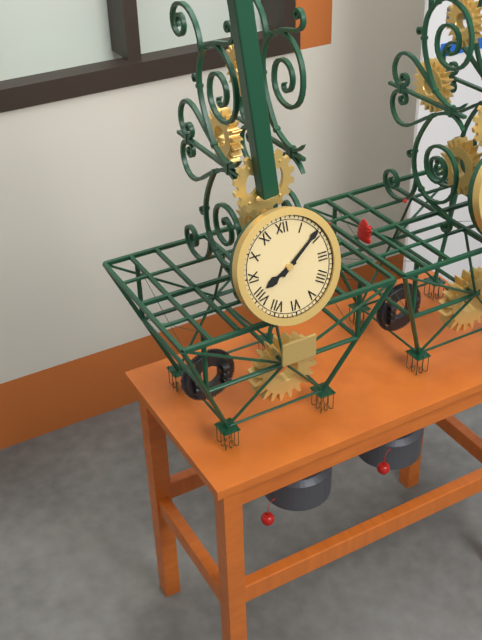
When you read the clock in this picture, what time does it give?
8:09
